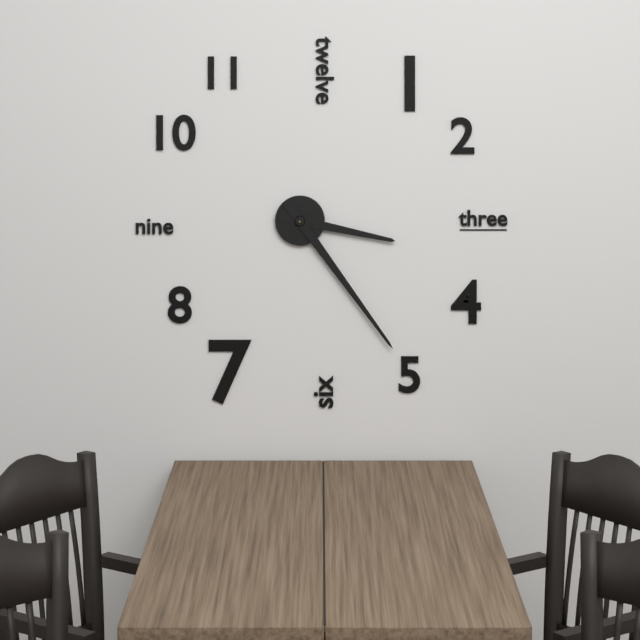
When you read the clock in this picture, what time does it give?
3:24
